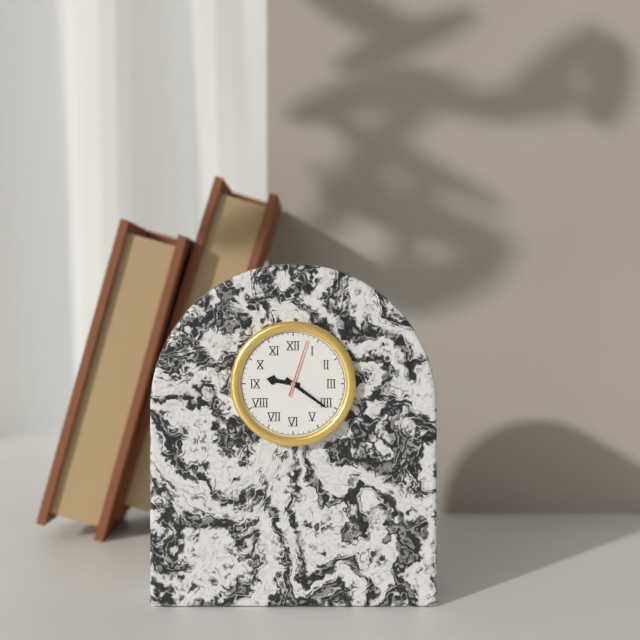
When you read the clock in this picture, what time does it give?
9:21:03
